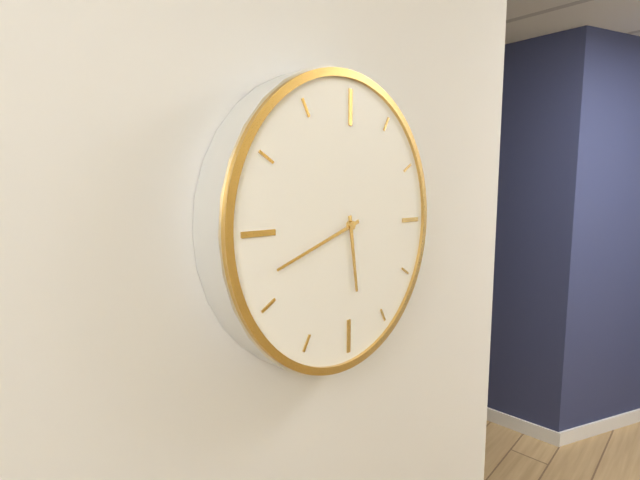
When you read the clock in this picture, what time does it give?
5:42
